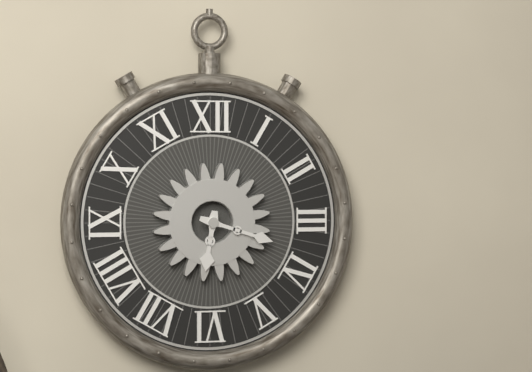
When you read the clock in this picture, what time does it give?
6:18
